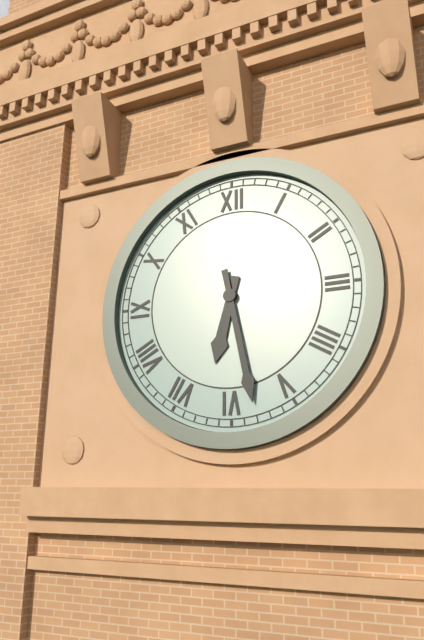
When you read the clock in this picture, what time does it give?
6:28
